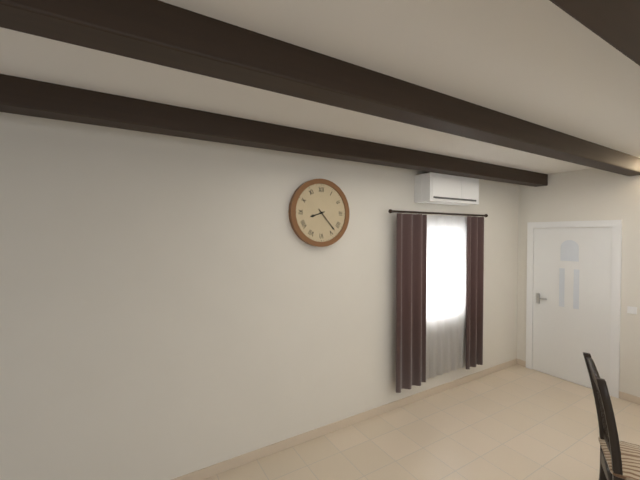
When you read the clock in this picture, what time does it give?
8:23
